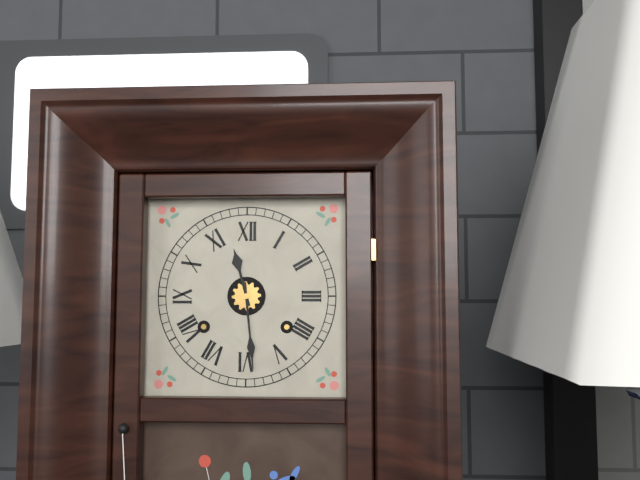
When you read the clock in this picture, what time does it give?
11:29
